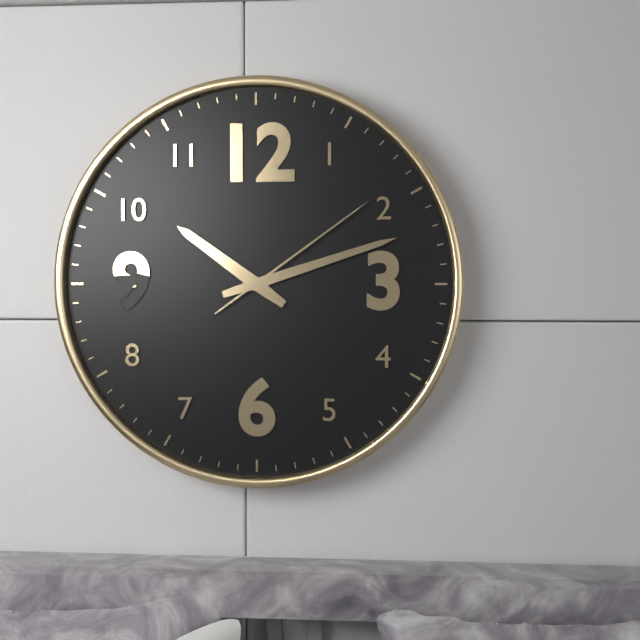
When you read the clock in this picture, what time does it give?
10:12:09
